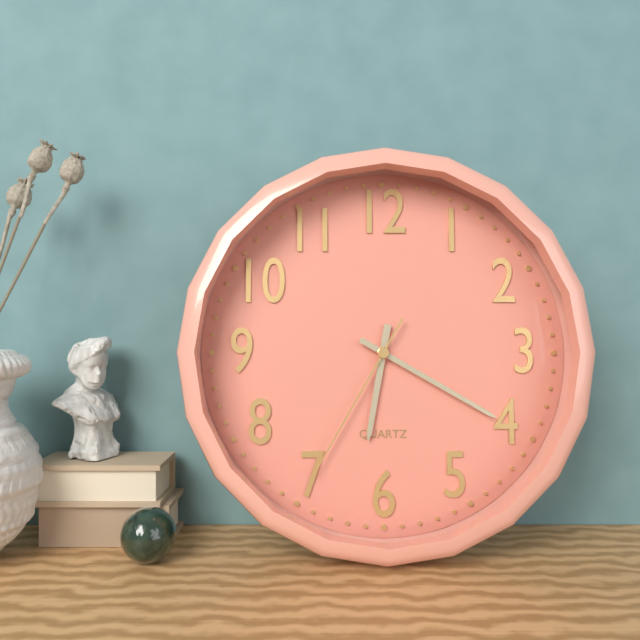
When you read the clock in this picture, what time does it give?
6:20:35
